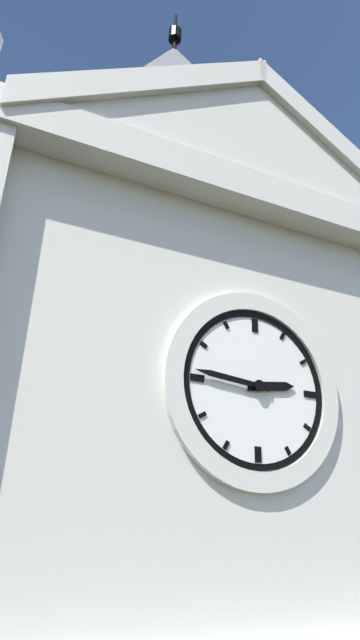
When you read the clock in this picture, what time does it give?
2:46
